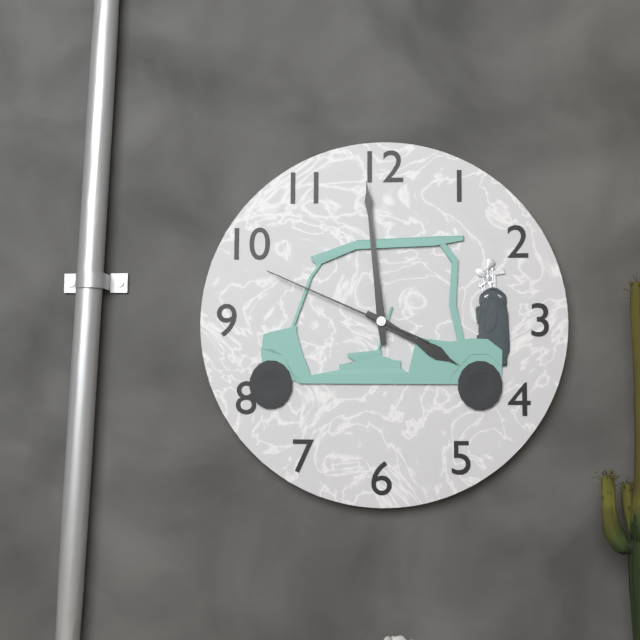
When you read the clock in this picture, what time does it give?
3:59:49
